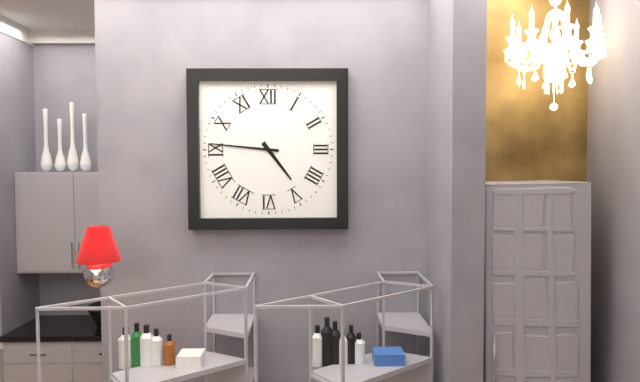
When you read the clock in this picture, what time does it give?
4:46
